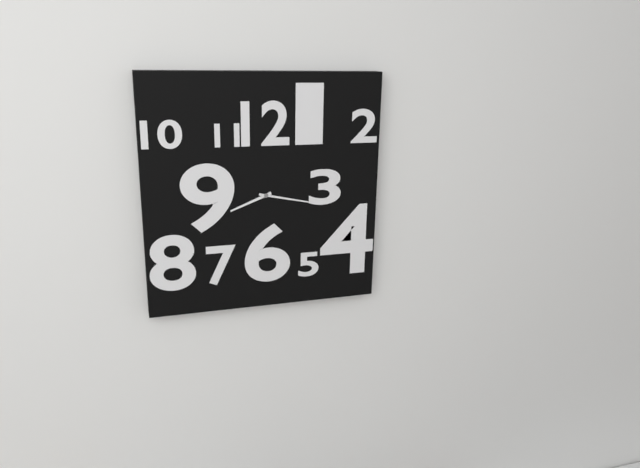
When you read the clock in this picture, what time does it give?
8:17
